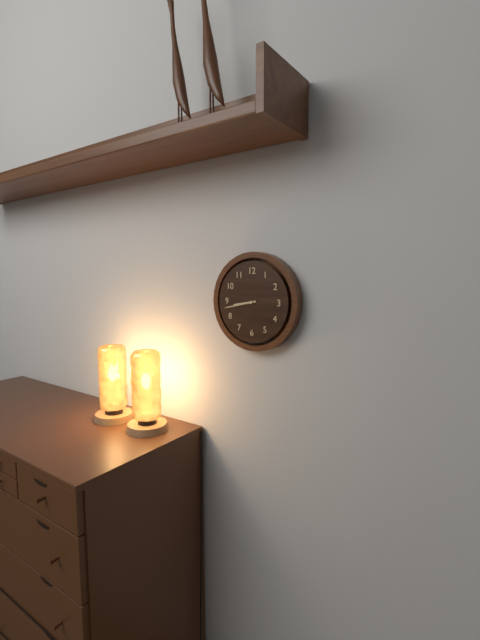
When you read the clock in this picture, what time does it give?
8:43
